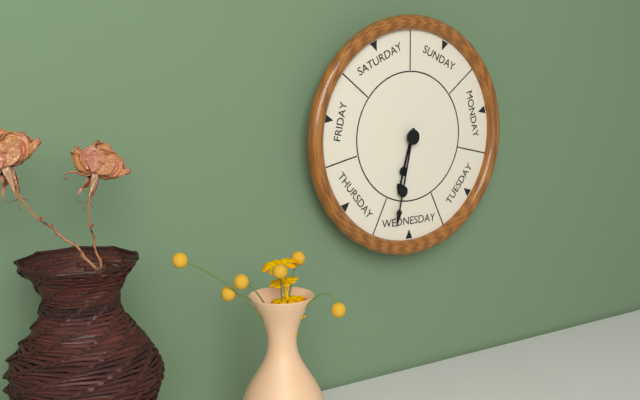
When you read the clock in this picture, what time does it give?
6:32
